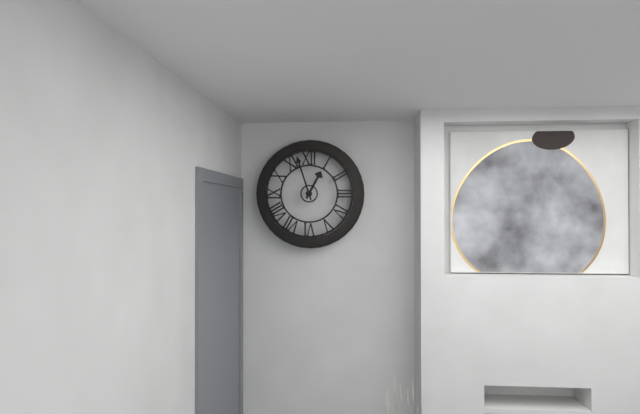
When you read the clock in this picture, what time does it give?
12:57
